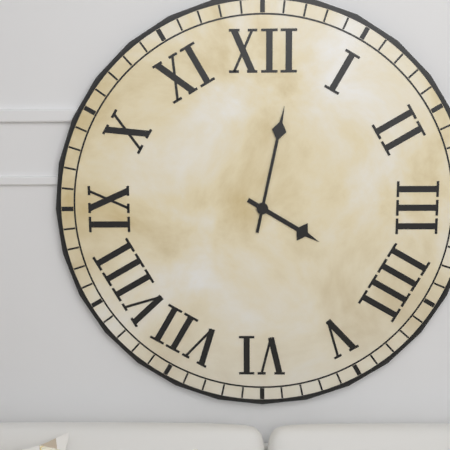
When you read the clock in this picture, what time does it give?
4:02
